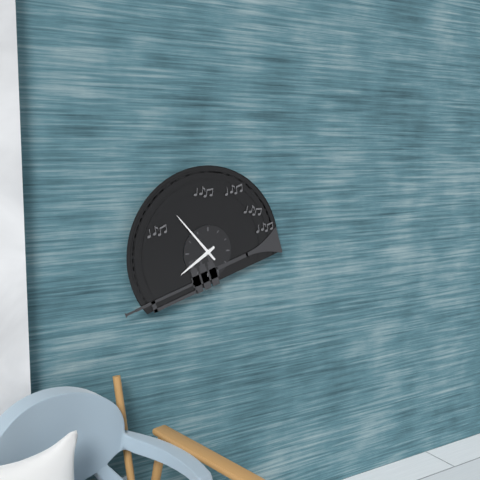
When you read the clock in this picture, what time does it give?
7:53
